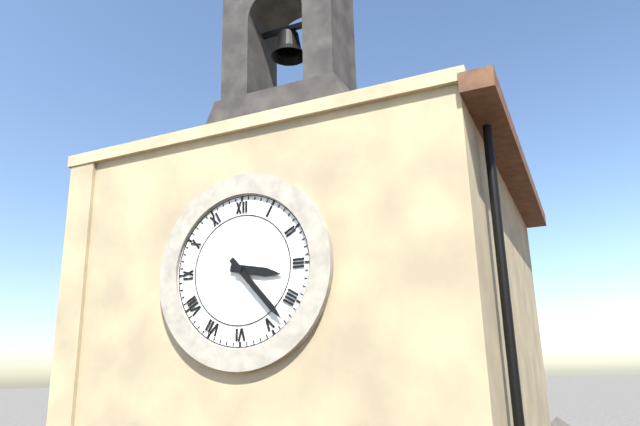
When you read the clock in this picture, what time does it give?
3:23
